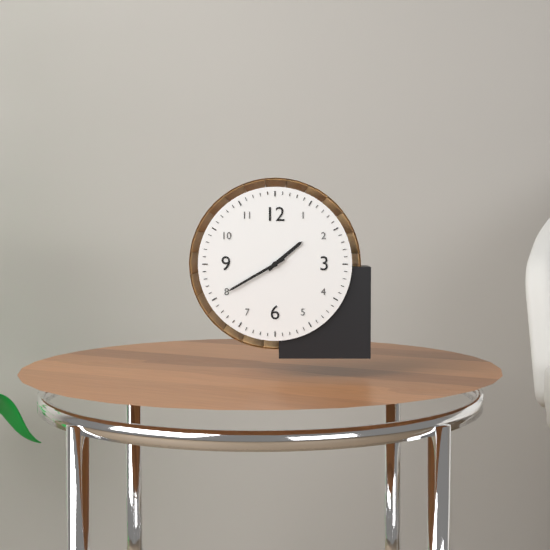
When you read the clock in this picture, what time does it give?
1:40
